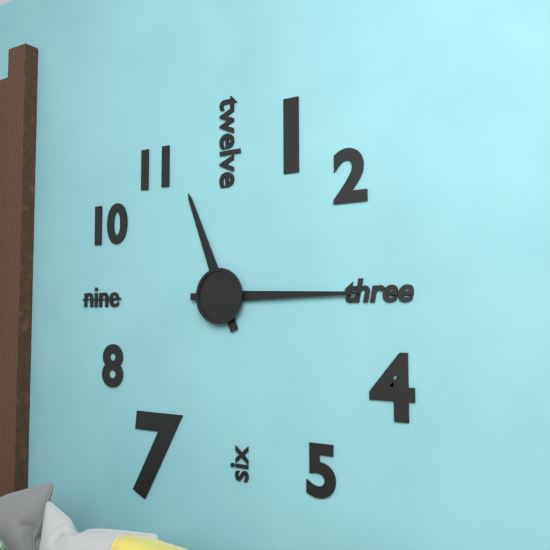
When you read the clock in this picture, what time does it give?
11:15
